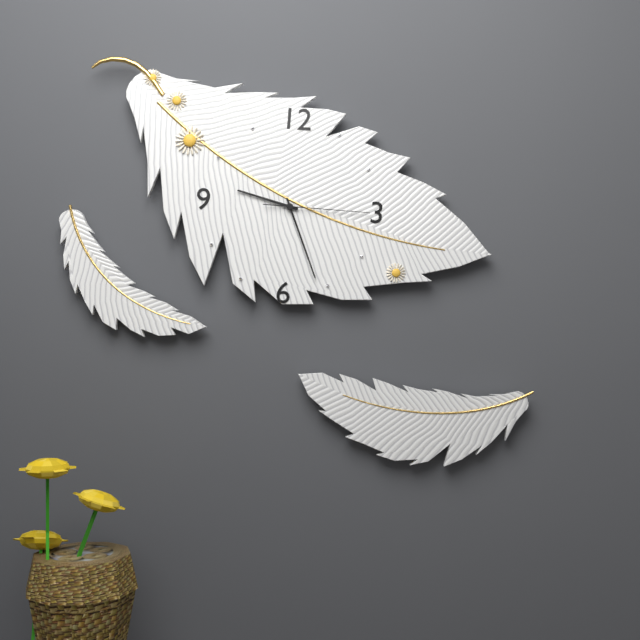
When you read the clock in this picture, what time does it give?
9:26:15
